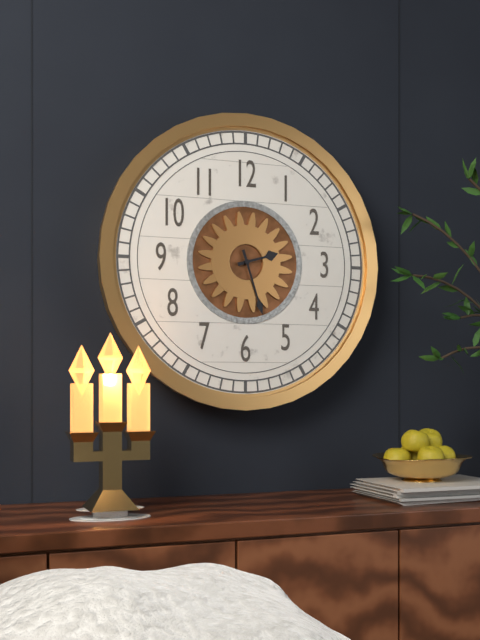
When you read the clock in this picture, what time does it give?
2:27
